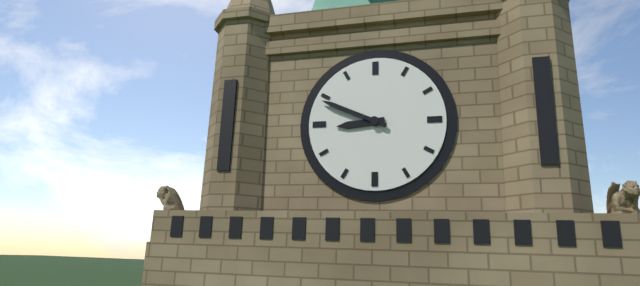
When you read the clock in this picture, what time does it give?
8:49
